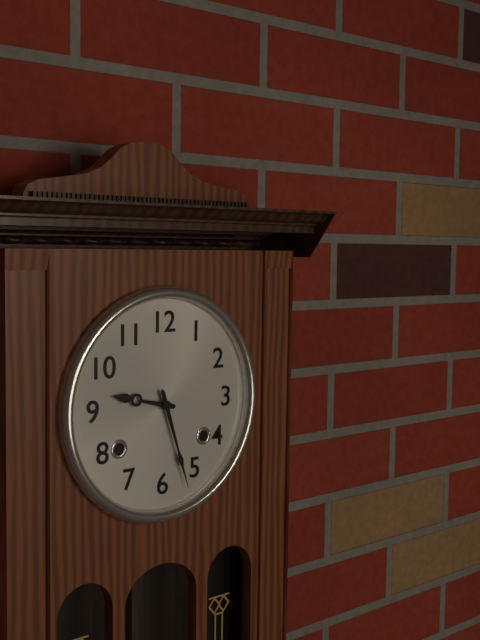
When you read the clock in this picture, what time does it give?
9:27
